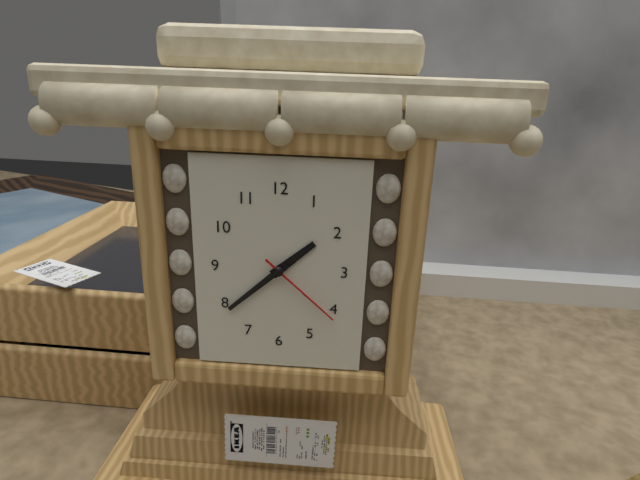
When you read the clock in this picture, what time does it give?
1:38:22
